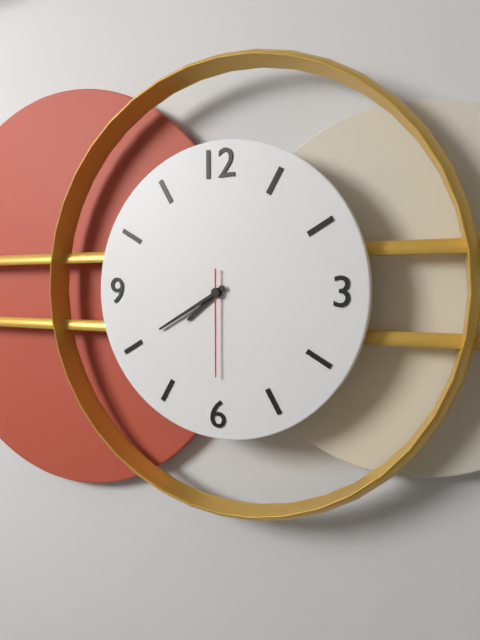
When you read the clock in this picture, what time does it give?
7:40:30
